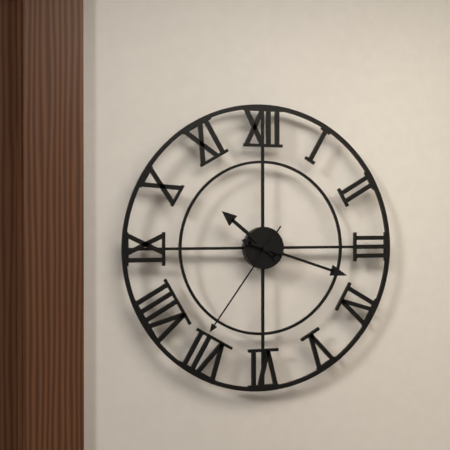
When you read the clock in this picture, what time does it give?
10:18:36
